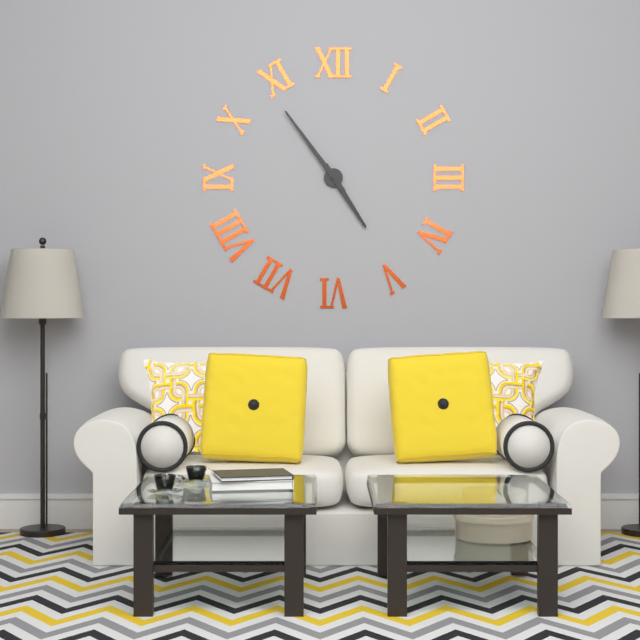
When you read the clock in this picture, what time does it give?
4:54
